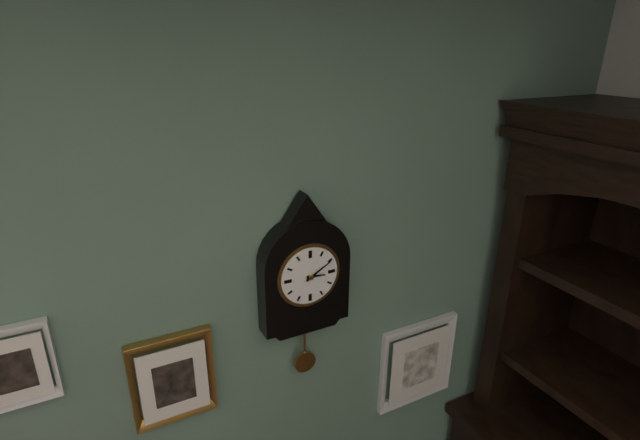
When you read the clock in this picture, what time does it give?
3:10
